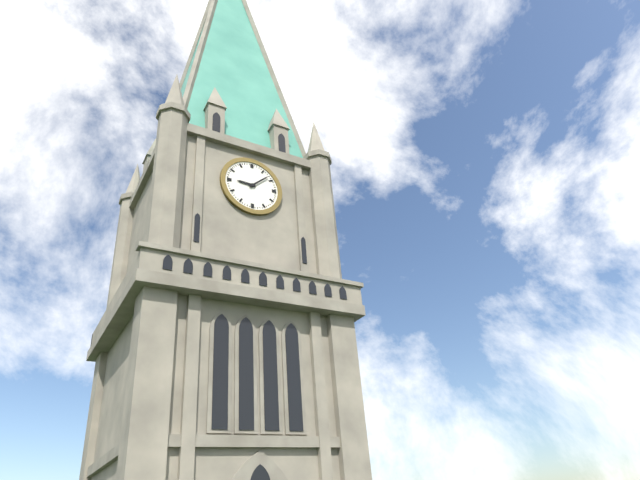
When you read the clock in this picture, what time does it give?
9:08
